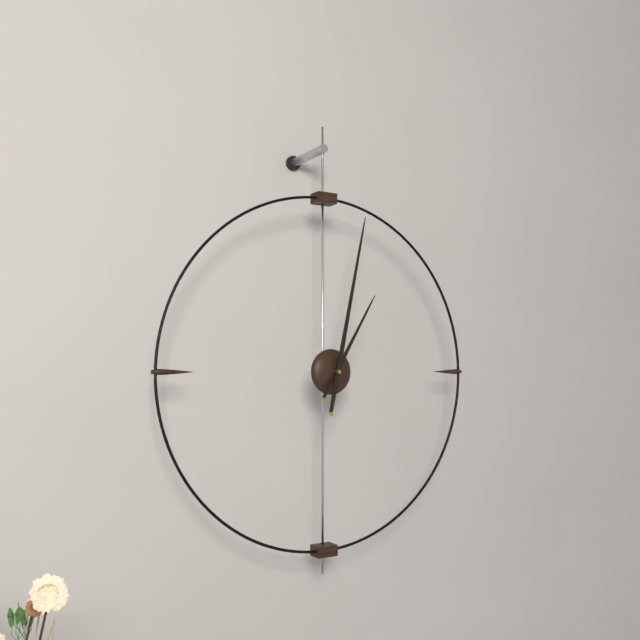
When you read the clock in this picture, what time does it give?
1:02
